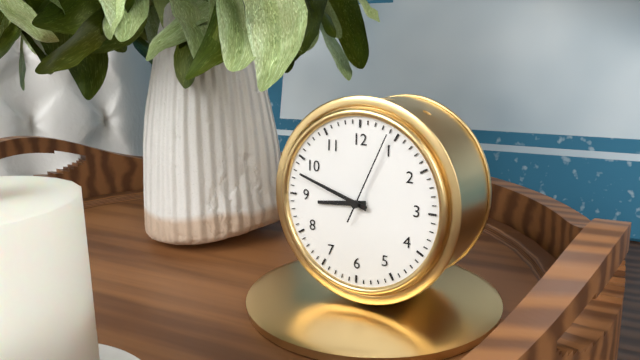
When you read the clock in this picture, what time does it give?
8:48:04
